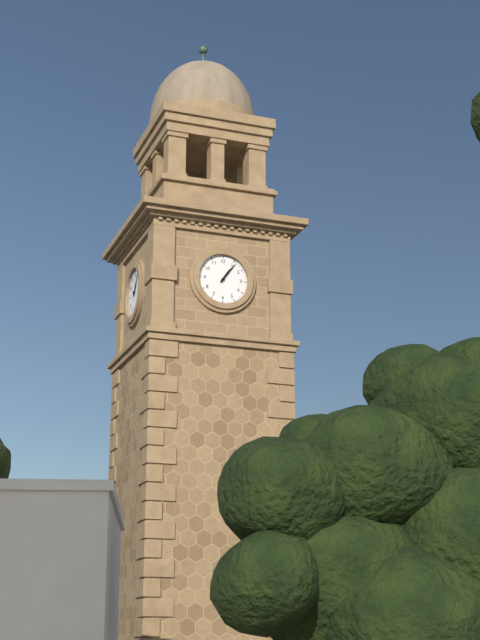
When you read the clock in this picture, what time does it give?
1:06
